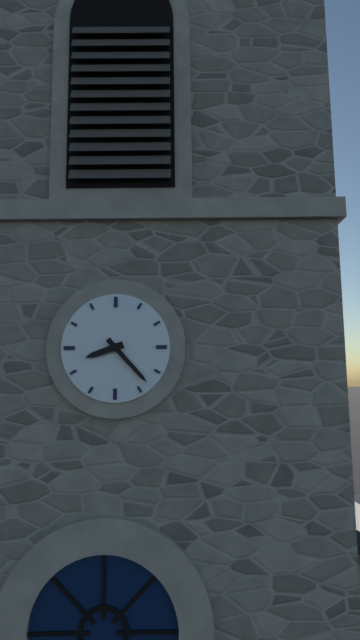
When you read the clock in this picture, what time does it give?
8:23
